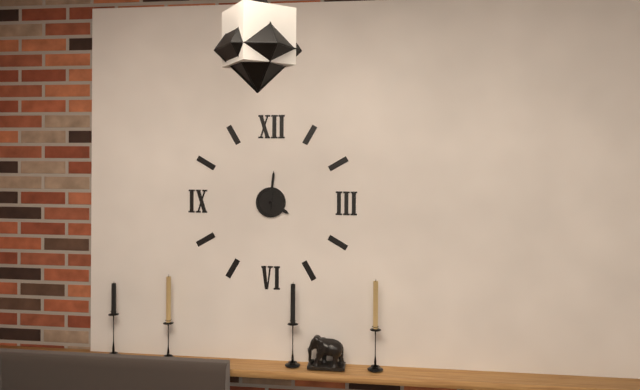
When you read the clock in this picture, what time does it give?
4:01
